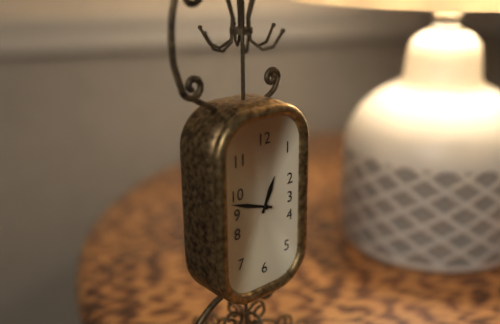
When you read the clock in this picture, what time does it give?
12:48
